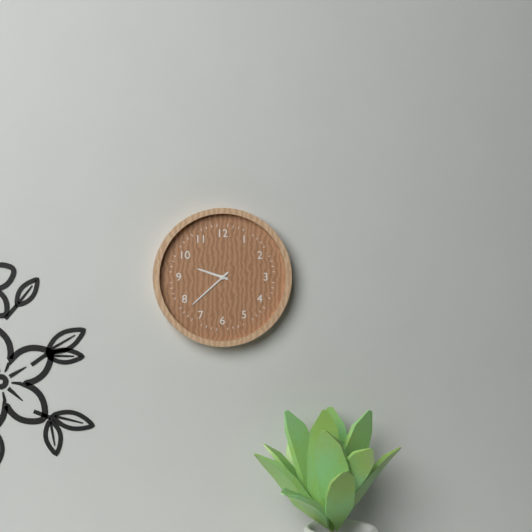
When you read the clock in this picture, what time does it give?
9:38
